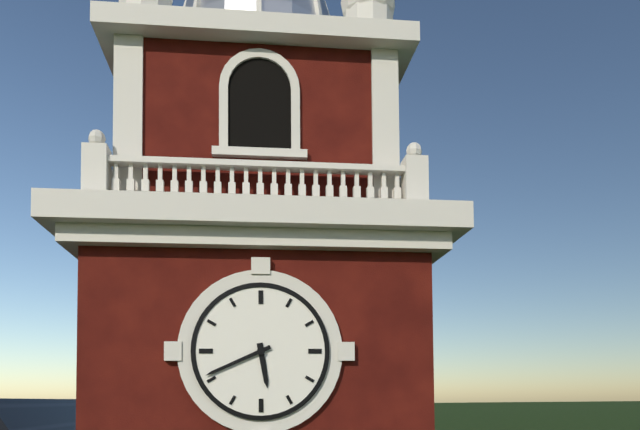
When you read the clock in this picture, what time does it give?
5:41
